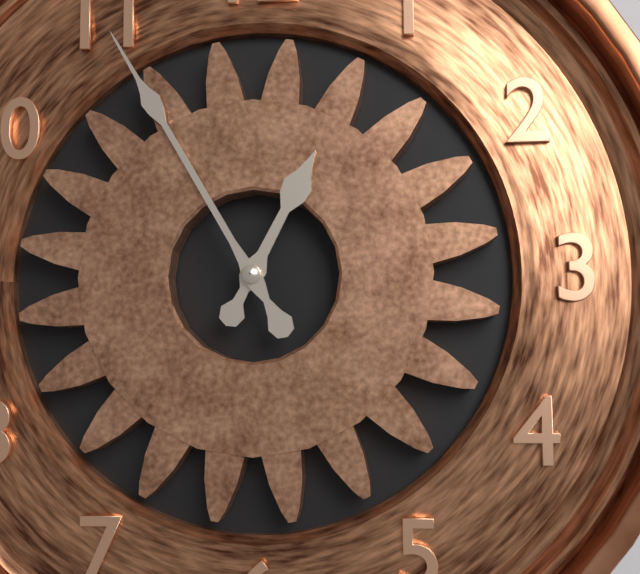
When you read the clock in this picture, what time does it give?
12:55
